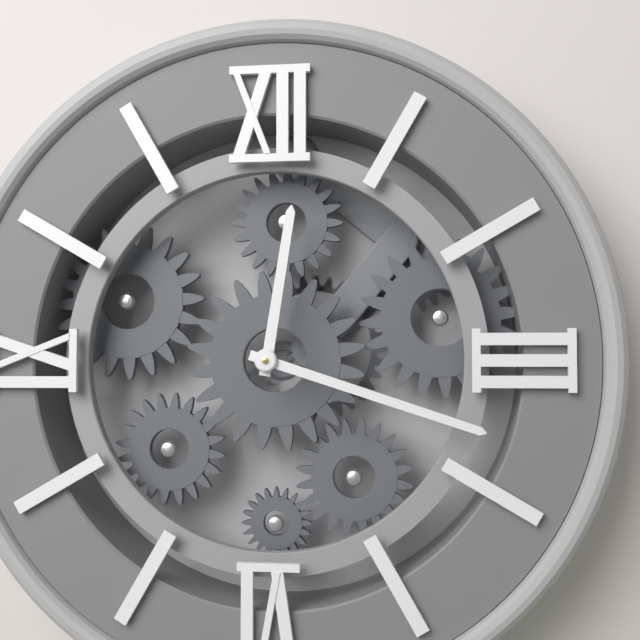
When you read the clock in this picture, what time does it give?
12:18
